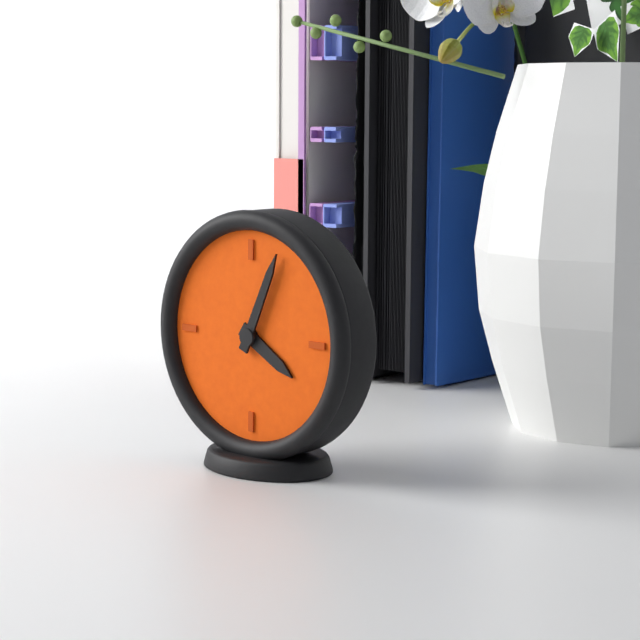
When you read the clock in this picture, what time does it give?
4:04
